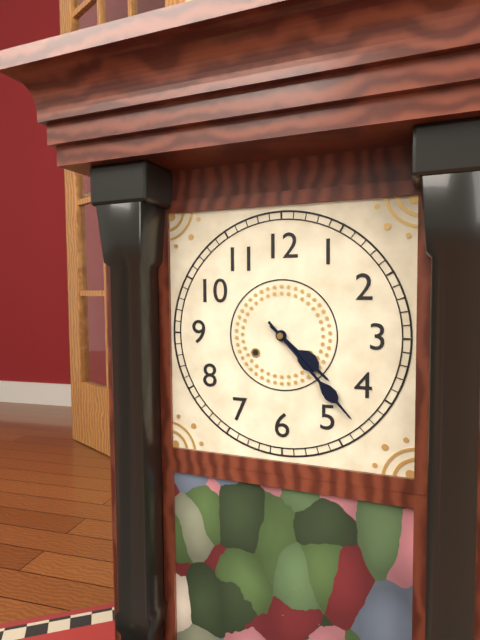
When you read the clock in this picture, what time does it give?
4:23
